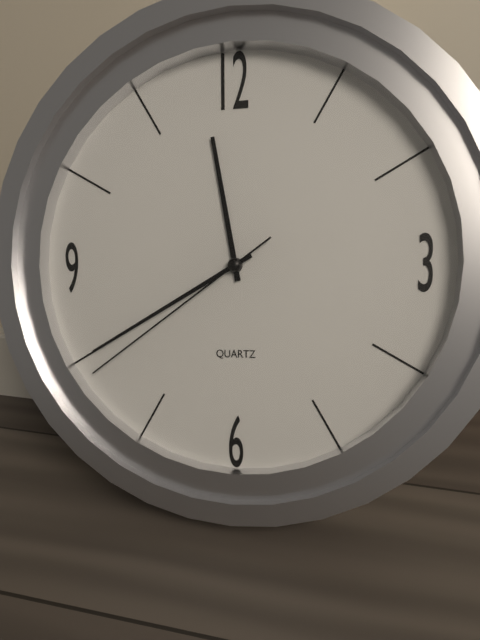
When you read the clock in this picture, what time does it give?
11:40:39
